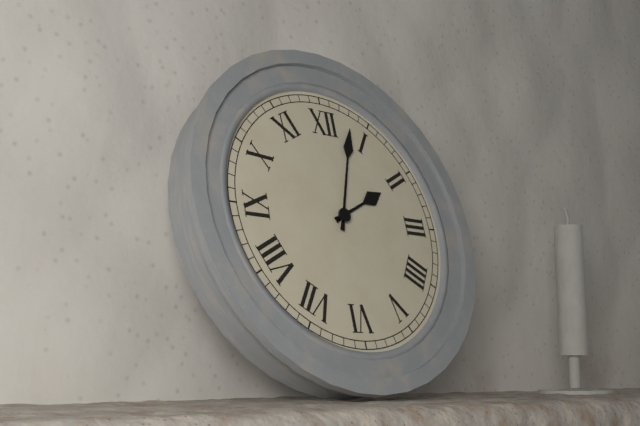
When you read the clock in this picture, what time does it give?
2:03
